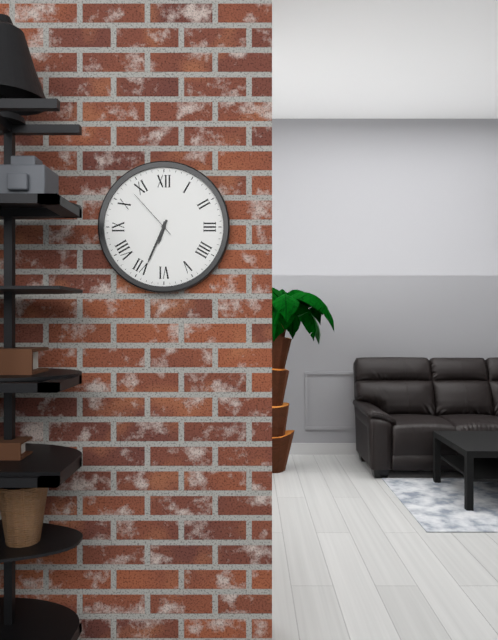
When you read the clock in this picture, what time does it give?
6:34:53
